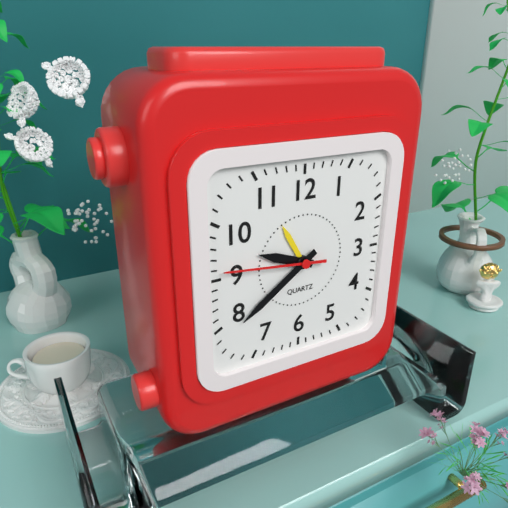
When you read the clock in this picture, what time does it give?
9:39:46
